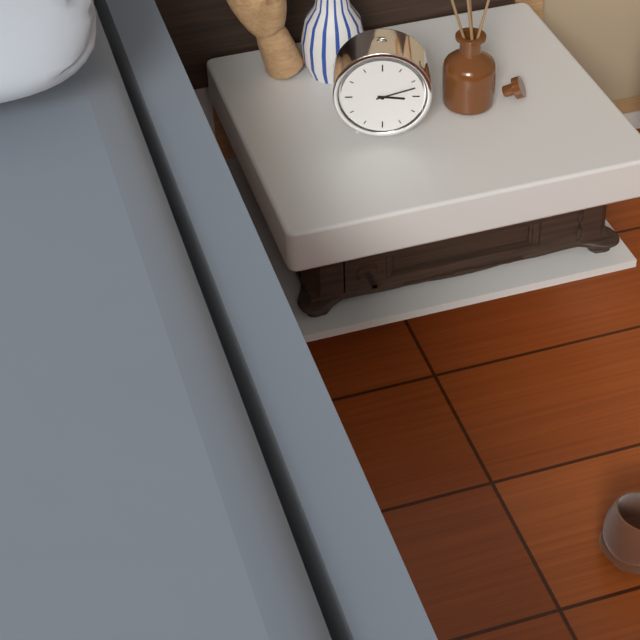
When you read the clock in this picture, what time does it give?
3:12
